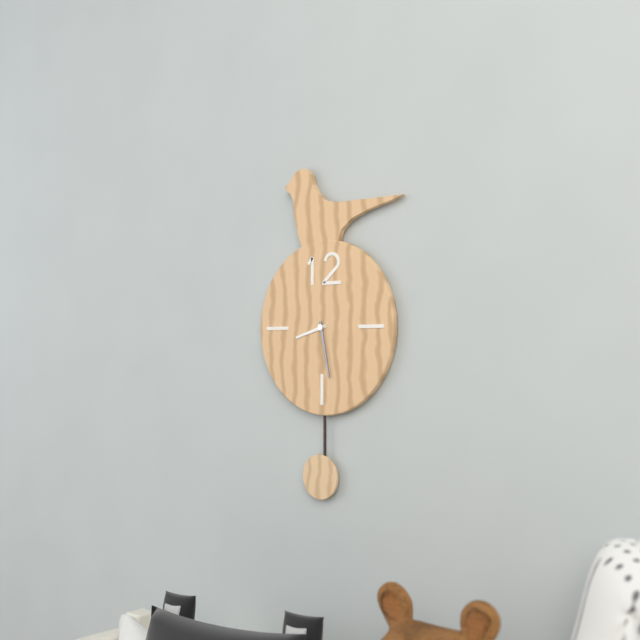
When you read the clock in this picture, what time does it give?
8:28
